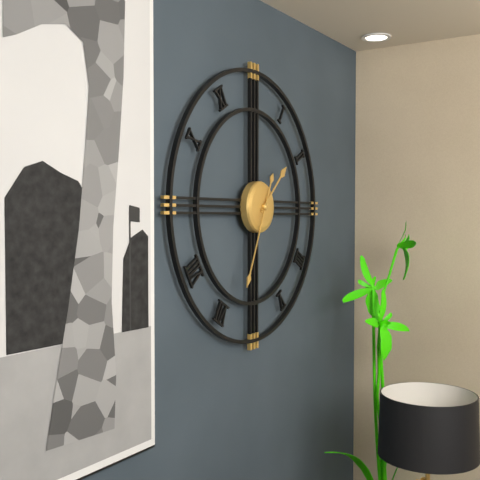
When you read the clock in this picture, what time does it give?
1:34
